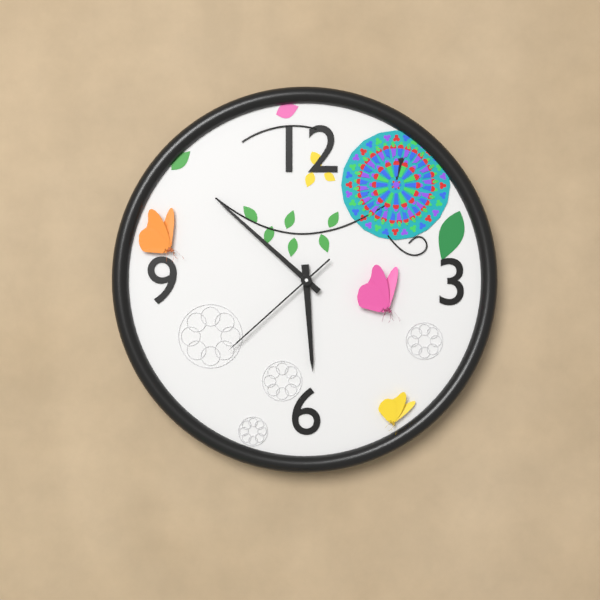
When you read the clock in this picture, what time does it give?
5:52:38
